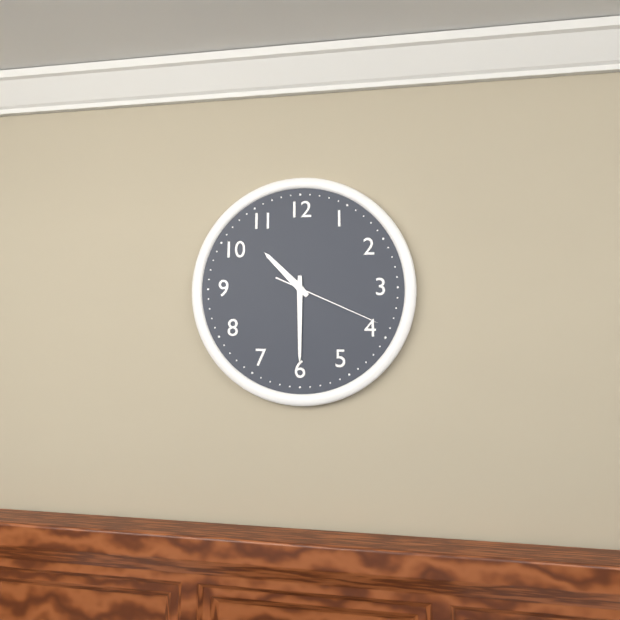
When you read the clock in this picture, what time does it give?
10:30:19
